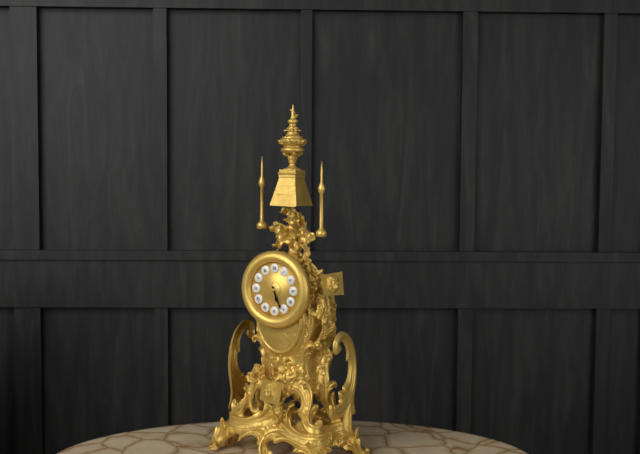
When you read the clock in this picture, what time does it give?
5:26
